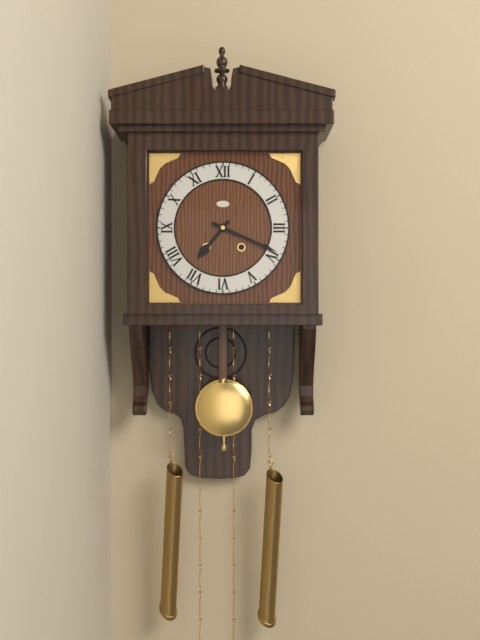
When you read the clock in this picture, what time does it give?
7:19
